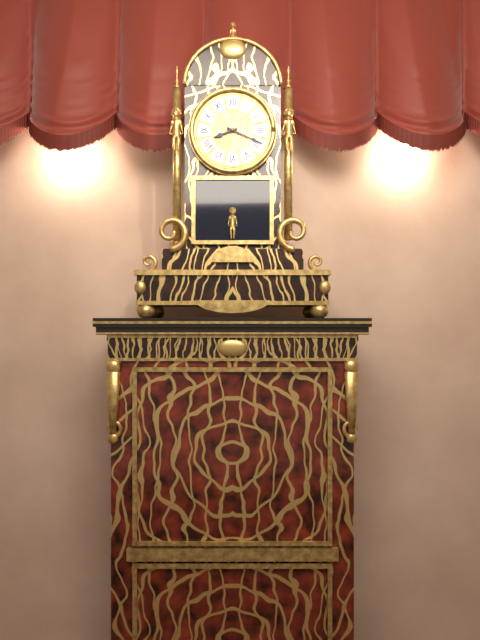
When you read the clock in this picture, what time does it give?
8:19
